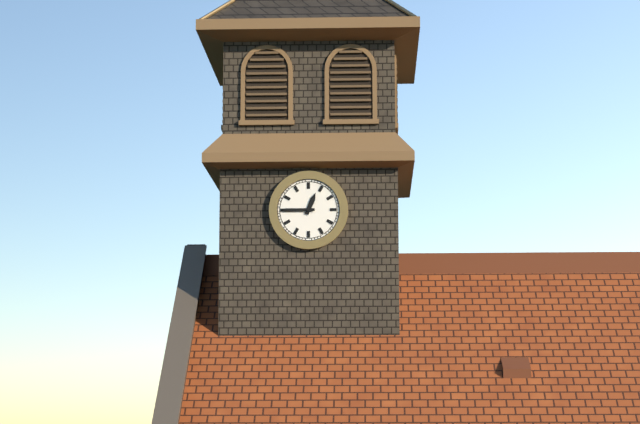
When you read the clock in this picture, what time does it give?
12:45
